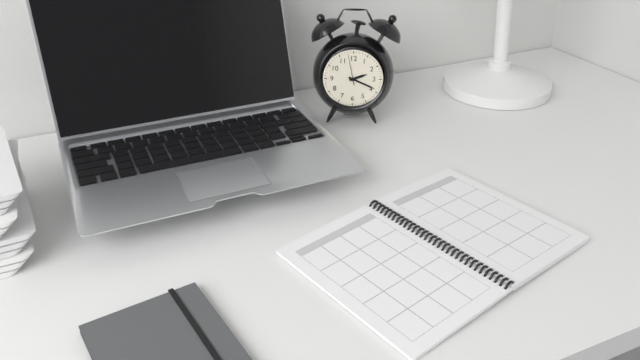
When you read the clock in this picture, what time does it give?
2:19
